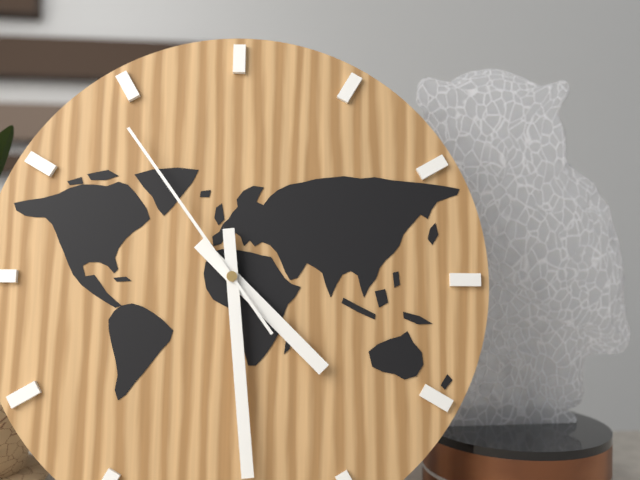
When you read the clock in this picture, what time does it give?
4:29:54
